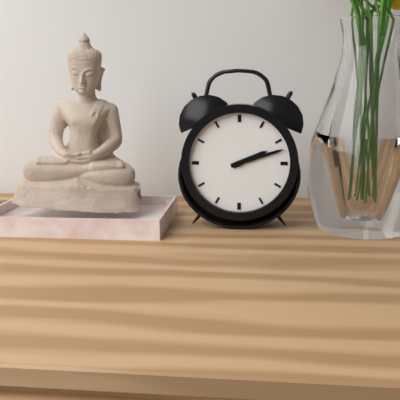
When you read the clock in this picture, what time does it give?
2:12
